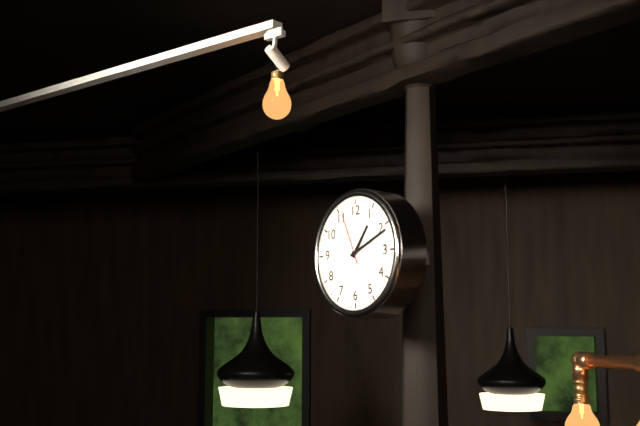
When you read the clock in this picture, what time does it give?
1:11:56
